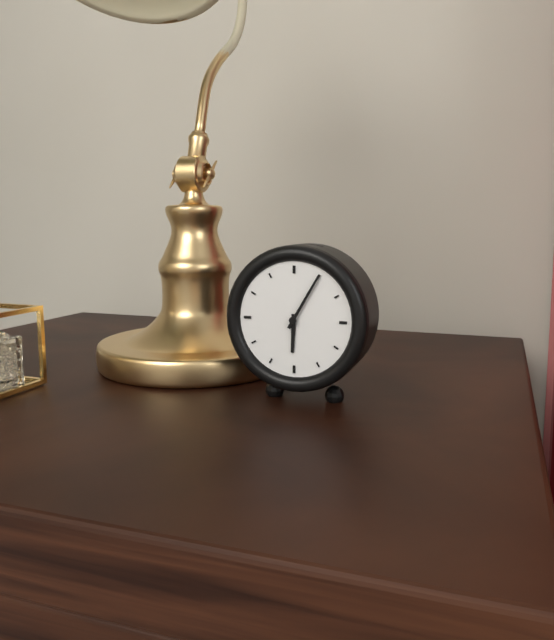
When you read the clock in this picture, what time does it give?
6:05
